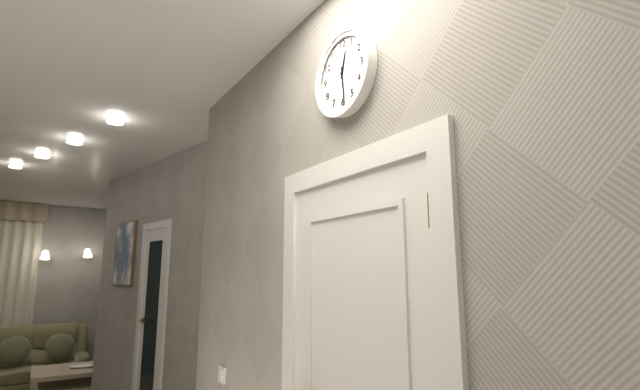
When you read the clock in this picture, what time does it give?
12:29
